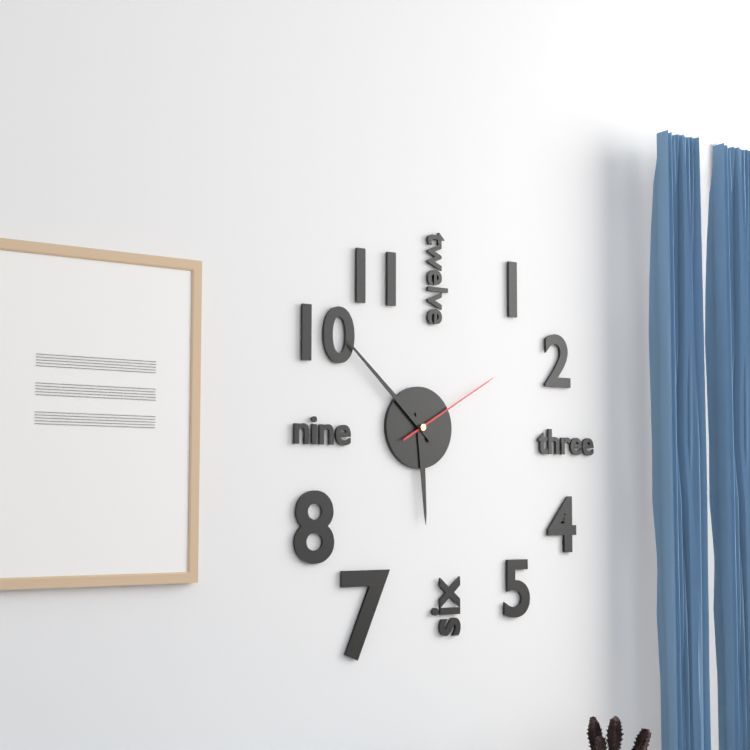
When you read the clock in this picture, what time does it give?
5:52:10
